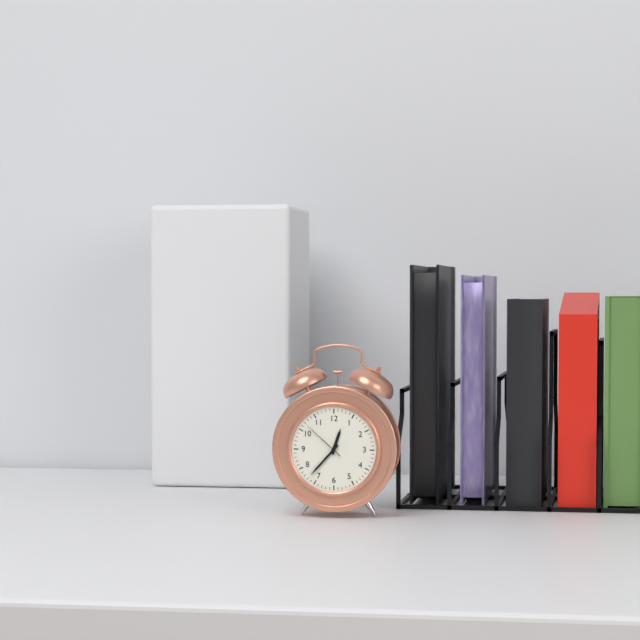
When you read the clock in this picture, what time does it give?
12:37
